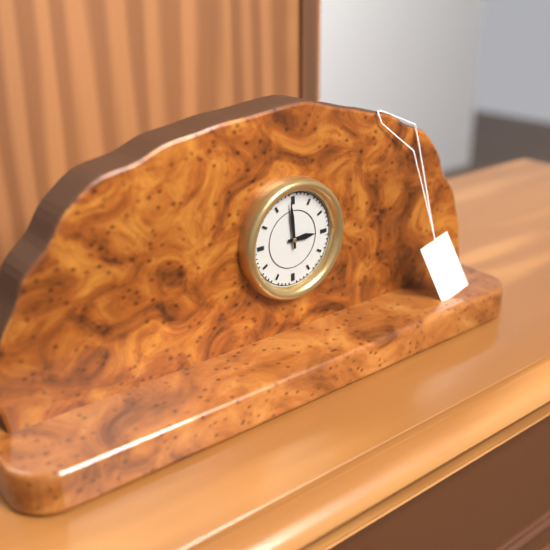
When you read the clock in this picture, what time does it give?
2:59
